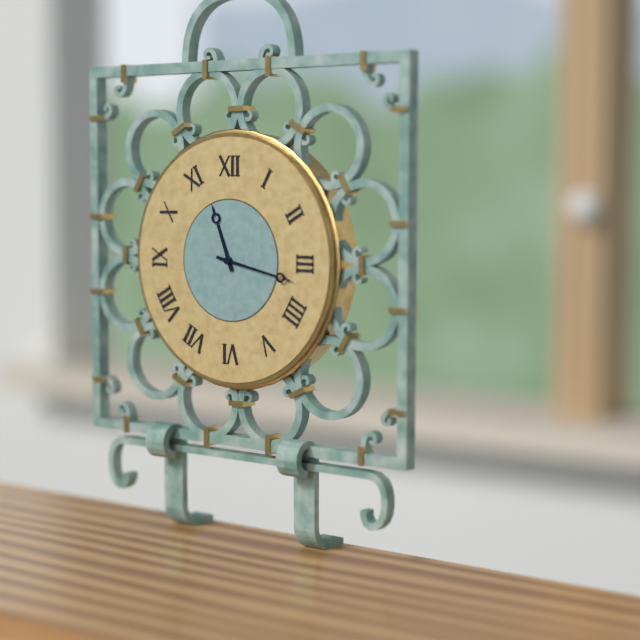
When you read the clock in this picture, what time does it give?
11:17
